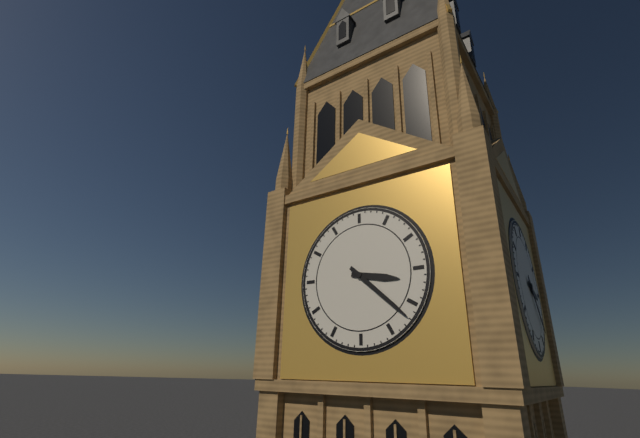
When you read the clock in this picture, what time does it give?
3:22
